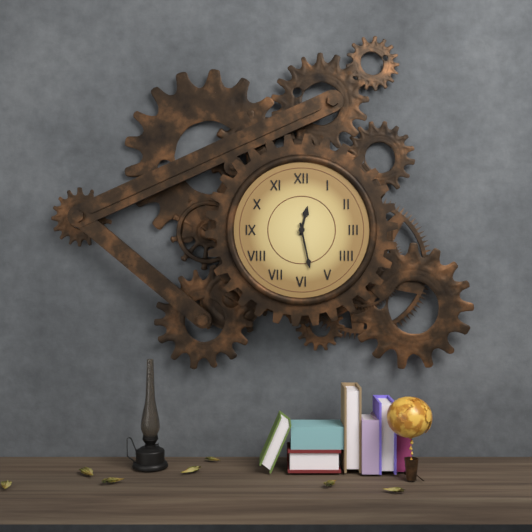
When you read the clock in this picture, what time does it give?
12:28
